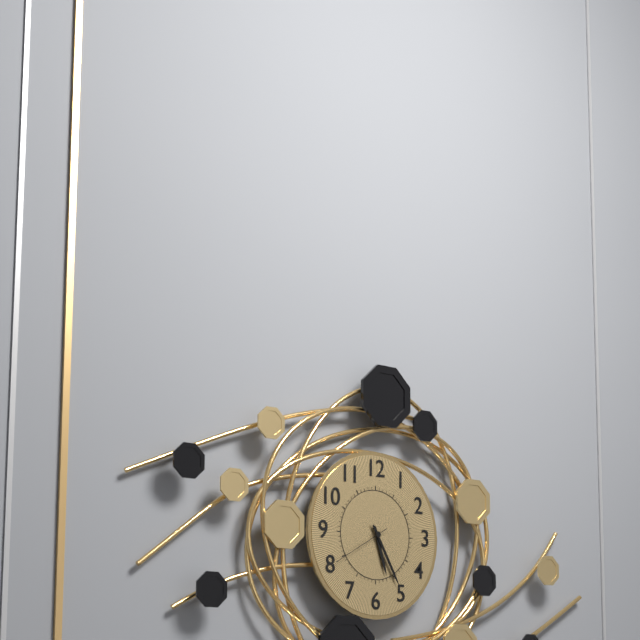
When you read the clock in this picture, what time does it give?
5:25:40
